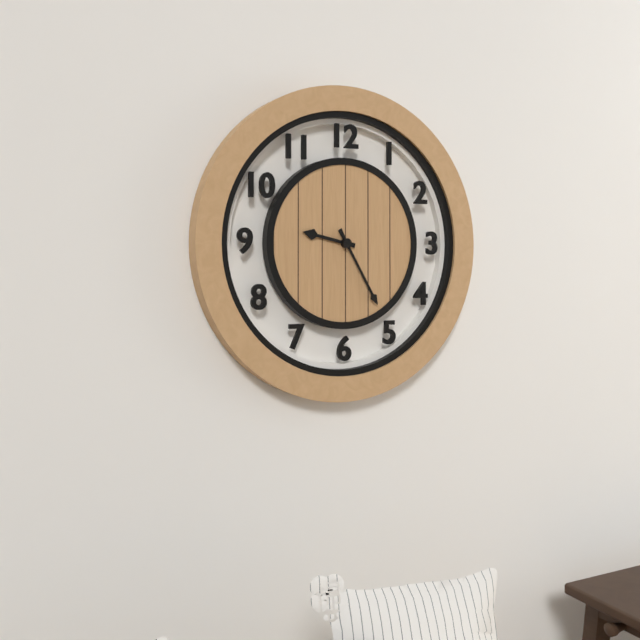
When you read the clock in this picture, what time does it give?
9:25
